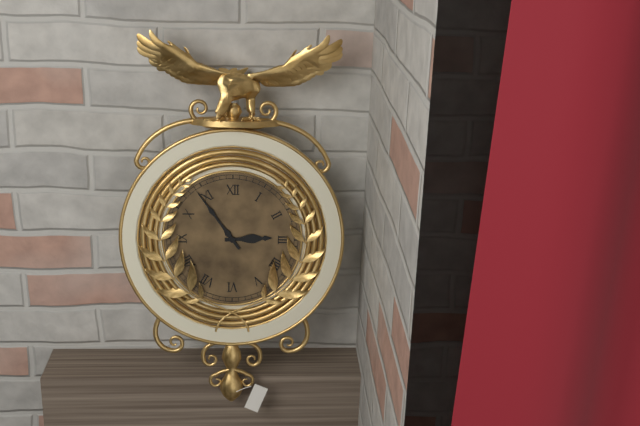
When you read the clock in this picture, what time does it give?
2:54
